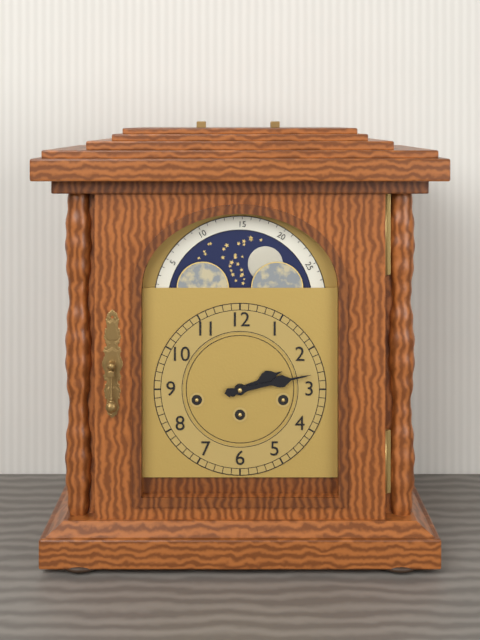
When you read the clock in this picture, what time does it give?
2:13
